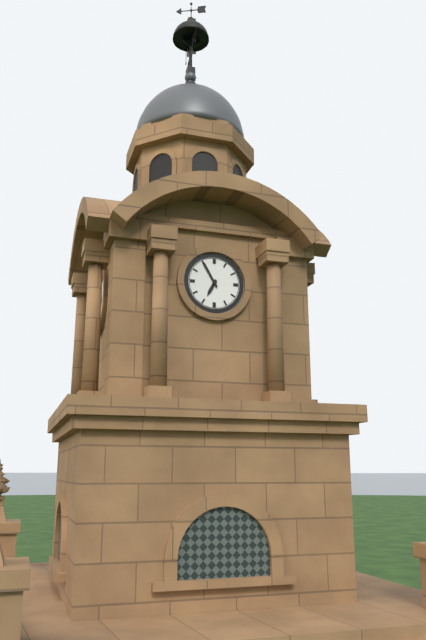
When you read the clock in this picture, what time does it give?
6:55
